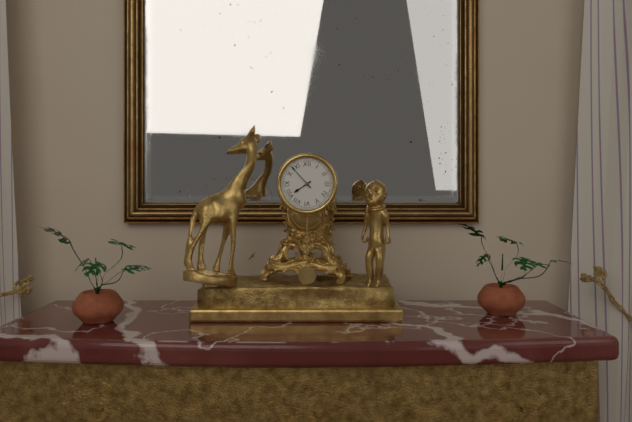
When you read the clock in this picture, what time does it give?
7:53
